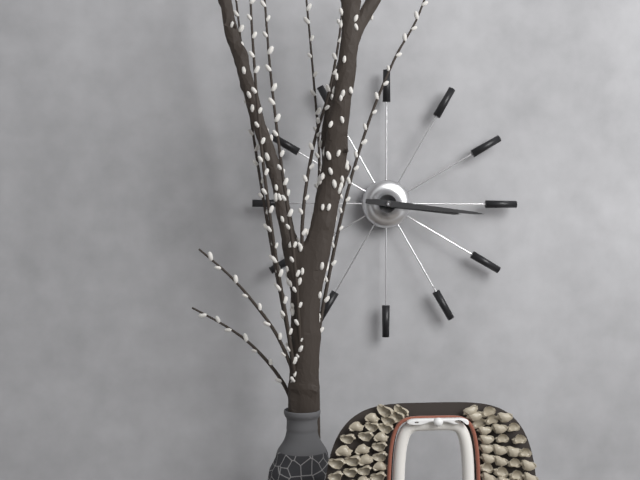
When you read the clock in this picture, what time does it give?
3:16
